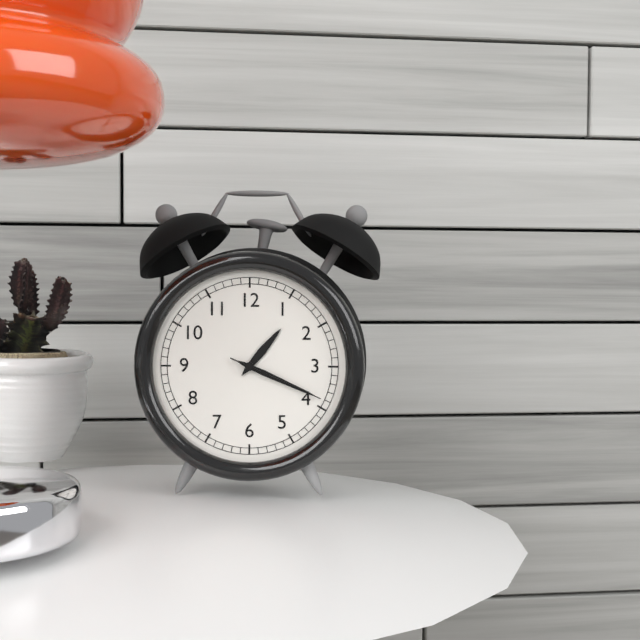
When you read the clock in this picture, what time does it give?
1:19:19
